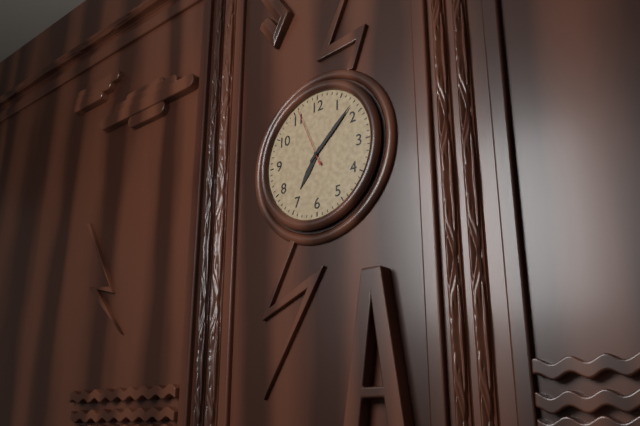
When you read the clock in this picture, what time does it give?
7:08:56
